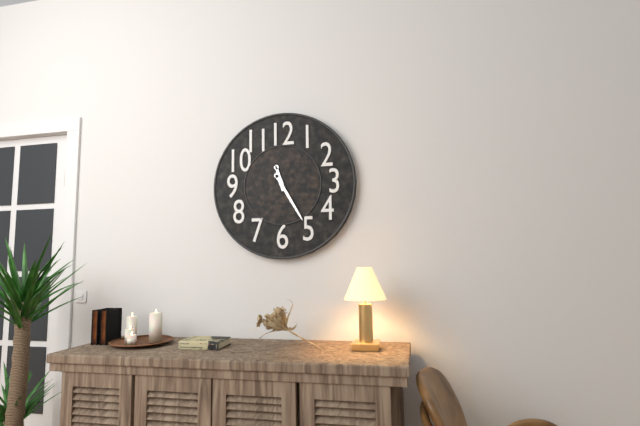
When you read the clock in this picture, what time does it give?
11:25
